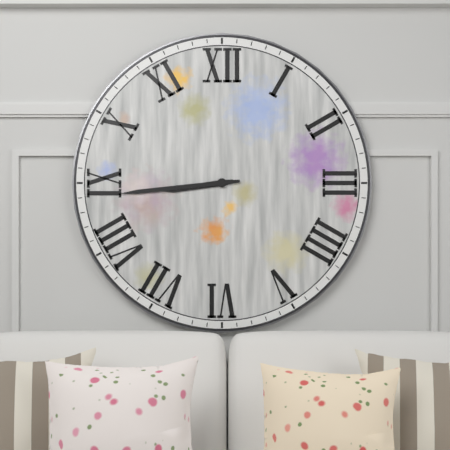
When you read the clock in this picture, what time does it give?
8:44
